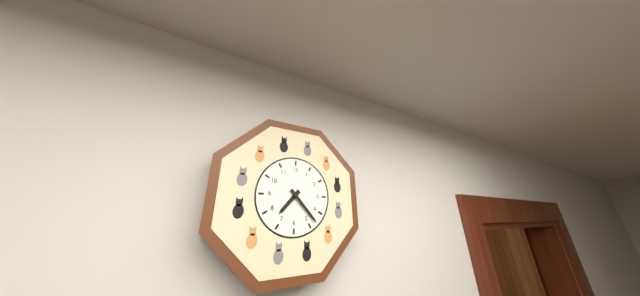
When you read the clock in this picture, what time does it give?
7:23
